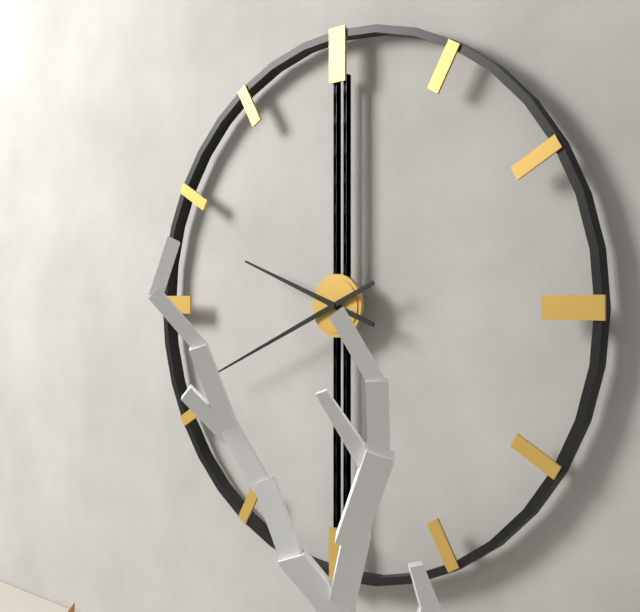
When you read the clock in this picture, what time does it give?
9:41
